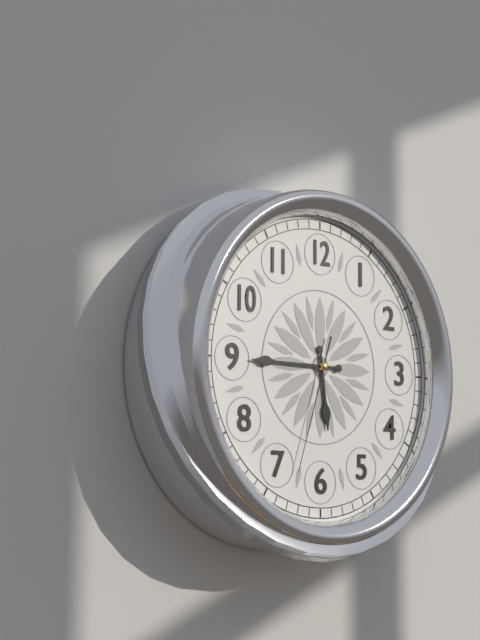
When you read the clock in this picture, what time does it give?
5:45:33
